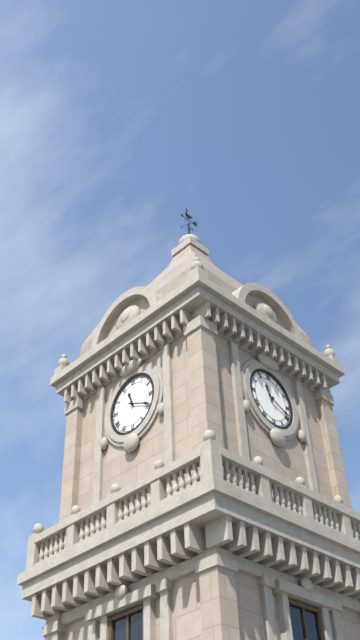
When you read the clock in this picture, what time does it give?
11:19
